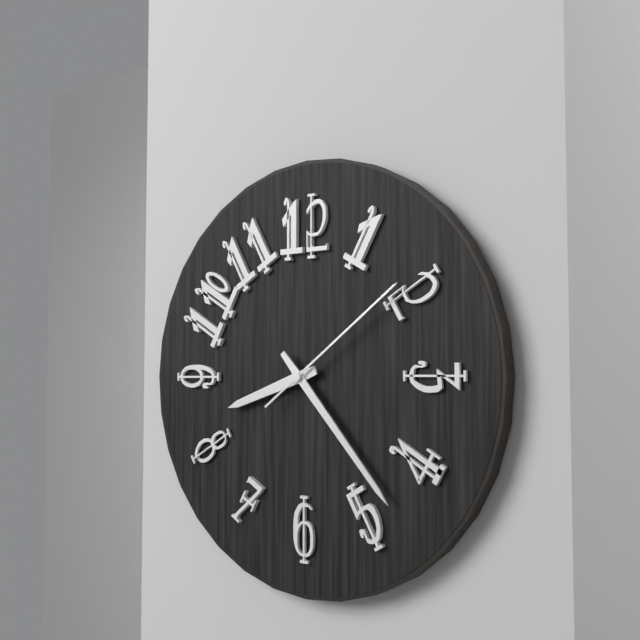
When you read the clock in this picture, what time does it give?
8:23:09
